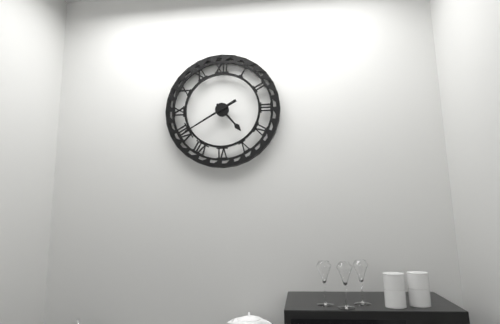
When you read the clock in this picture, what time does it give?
4:40
